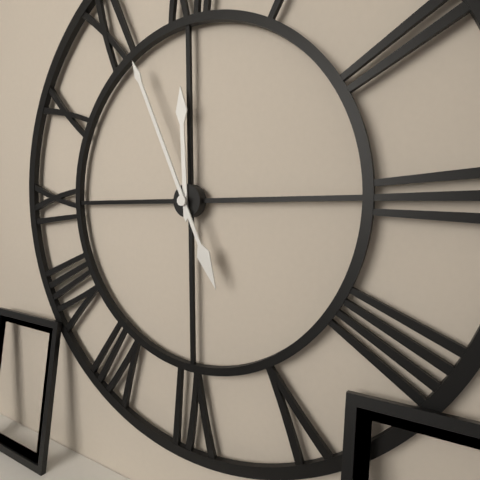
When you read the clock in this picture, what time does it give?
11:56
